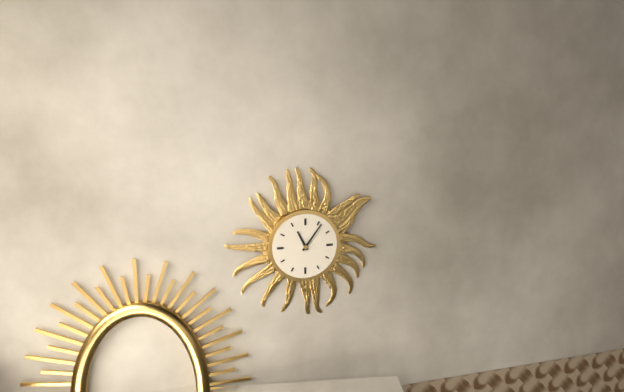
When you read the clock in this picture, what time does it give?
11:06
